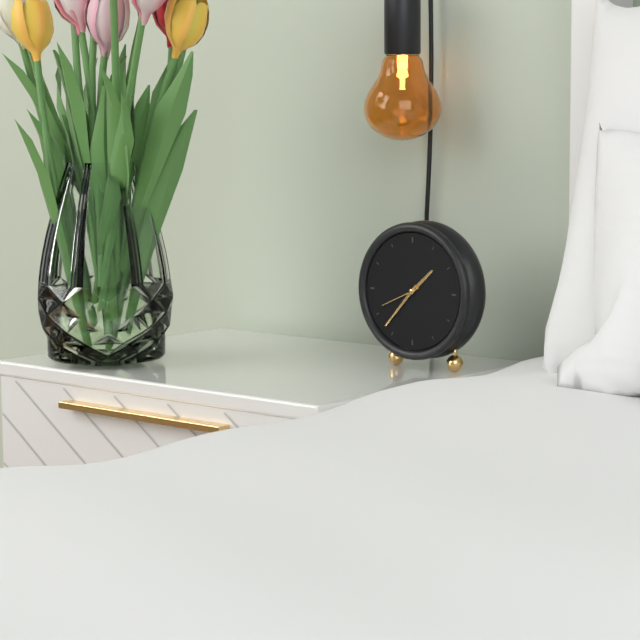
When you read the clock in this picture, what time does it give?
1:37
